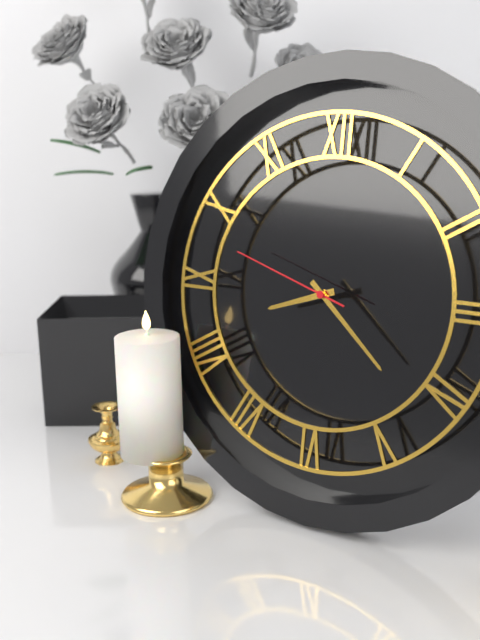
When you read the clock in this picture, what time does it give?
8:22:48
